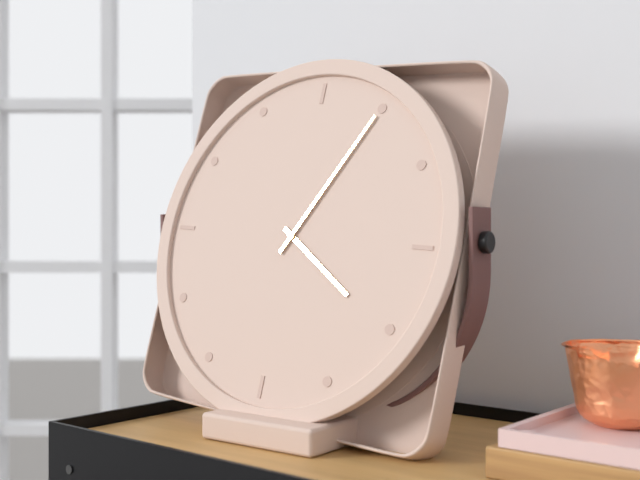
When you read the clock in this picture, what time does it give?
4:05
